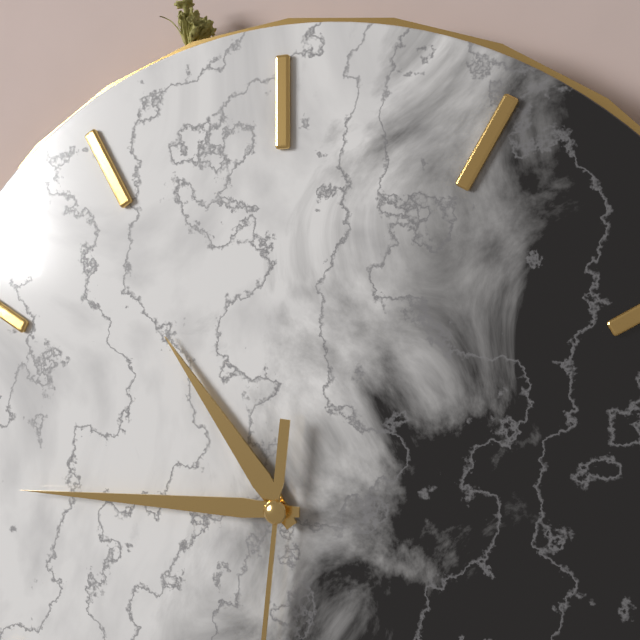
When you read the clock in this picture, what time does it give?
10:45
